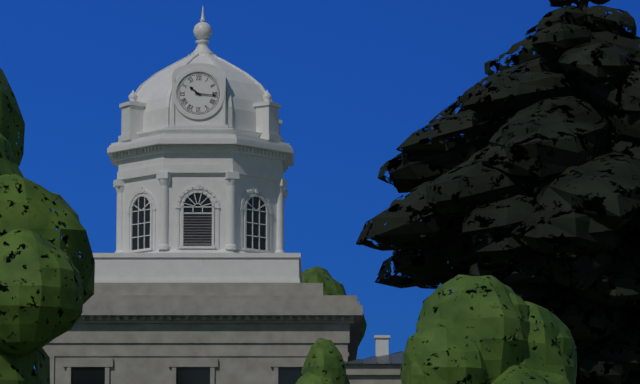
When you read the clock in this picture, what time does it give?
10:16
